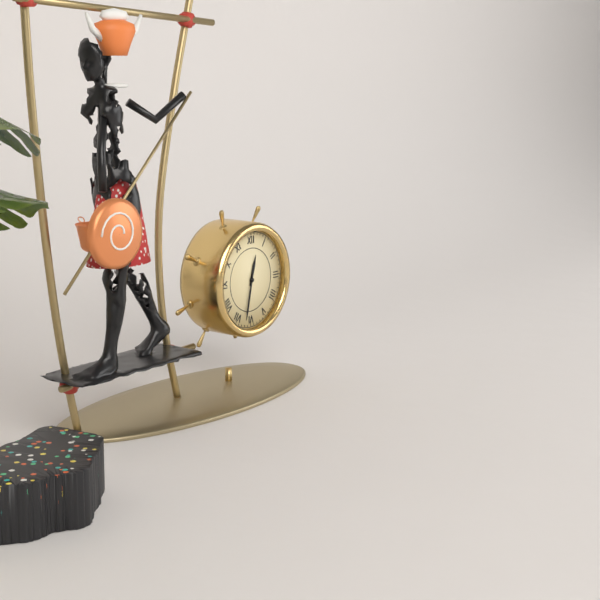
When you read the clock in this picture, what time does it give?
12:32
